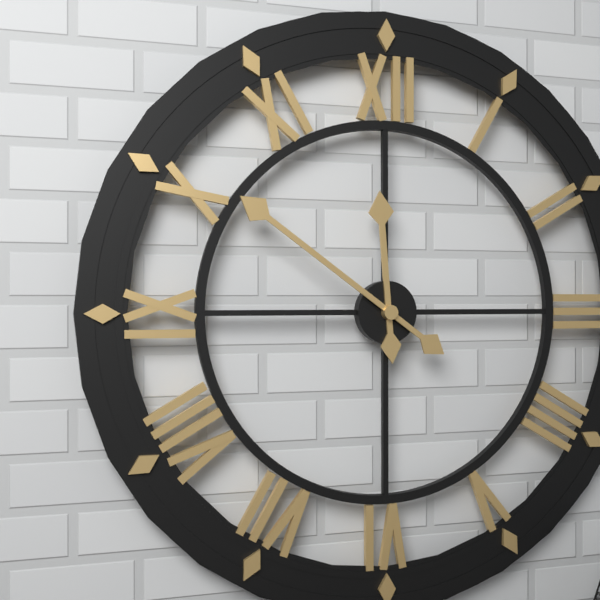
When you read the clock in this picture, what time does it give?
11:51
